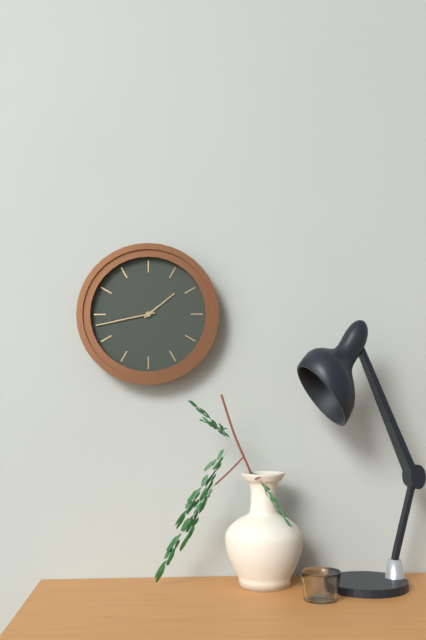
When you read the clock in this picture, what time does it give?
1:43
